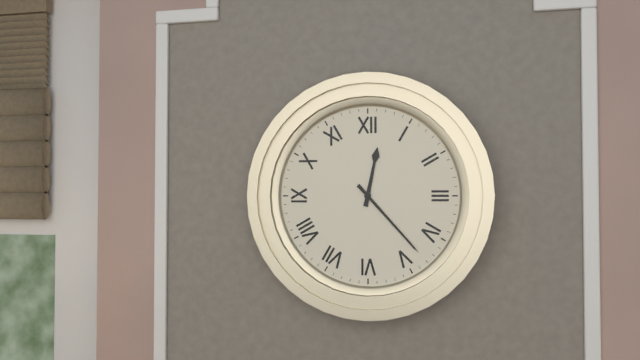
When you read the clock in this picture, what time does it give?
12:23
